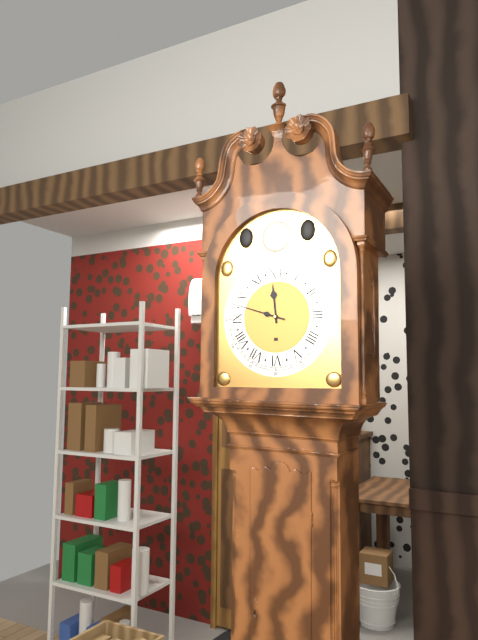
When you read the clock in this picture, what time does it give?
11:48
